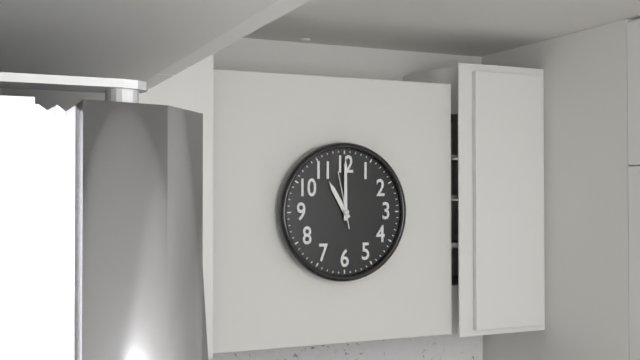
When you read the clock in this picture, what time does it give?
11:00:58
